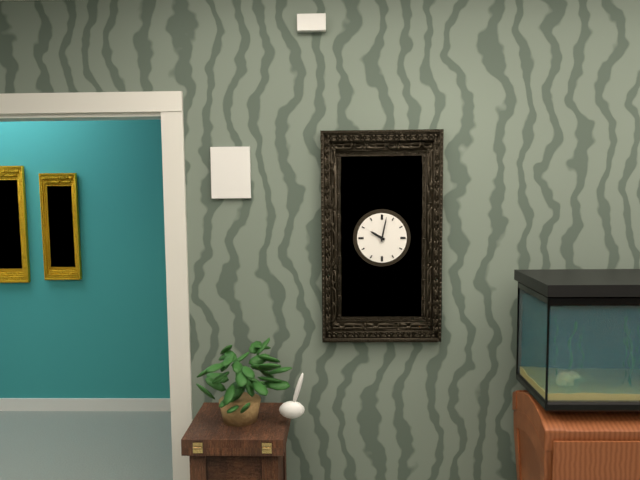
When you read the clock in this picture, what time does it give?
10:02
